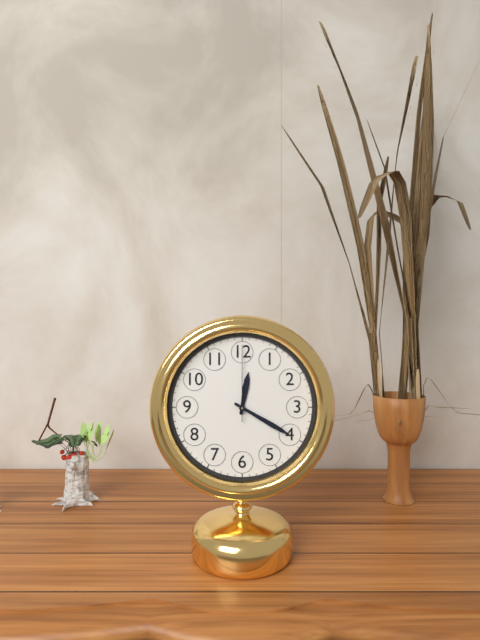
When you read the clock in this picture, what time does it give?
12:20:00
